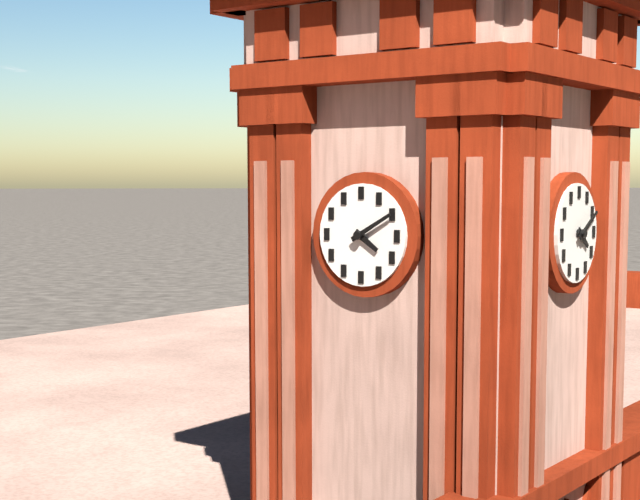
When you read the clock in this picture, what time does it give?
4:10
